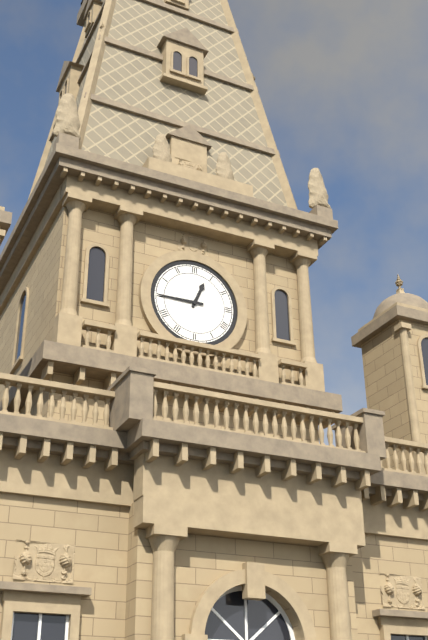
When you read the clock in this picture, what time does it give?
12:45
